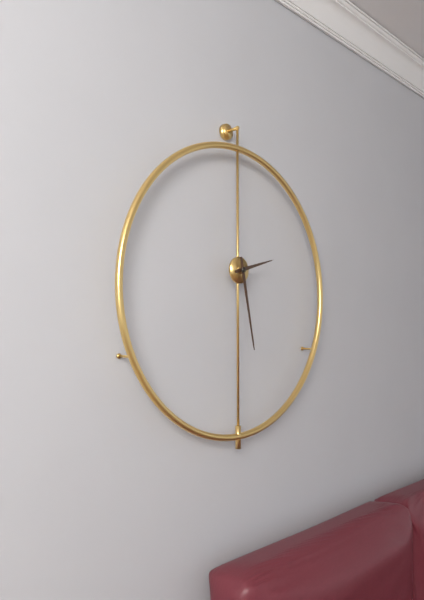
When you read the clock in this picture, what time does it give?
2:28
